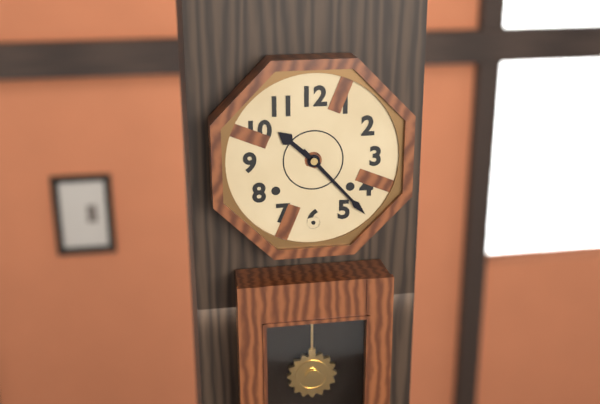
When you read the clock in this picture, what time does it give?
10:23
